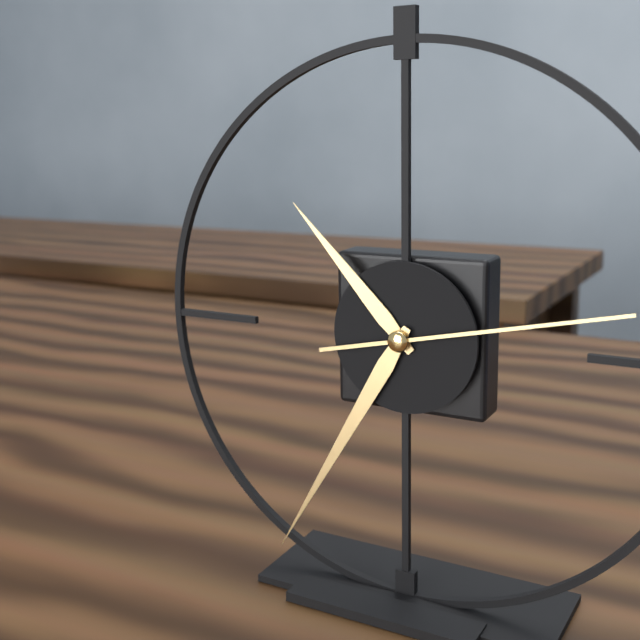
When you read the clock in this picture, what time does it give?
10:35:13
